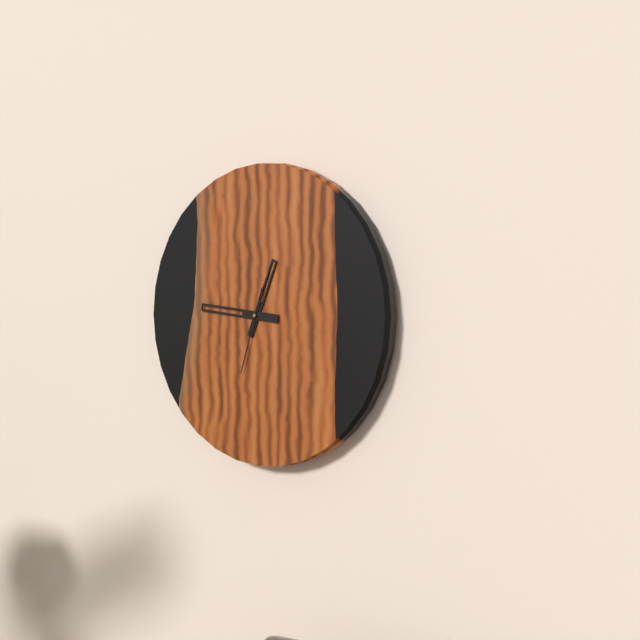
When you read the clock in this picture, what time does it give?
12:46:33
